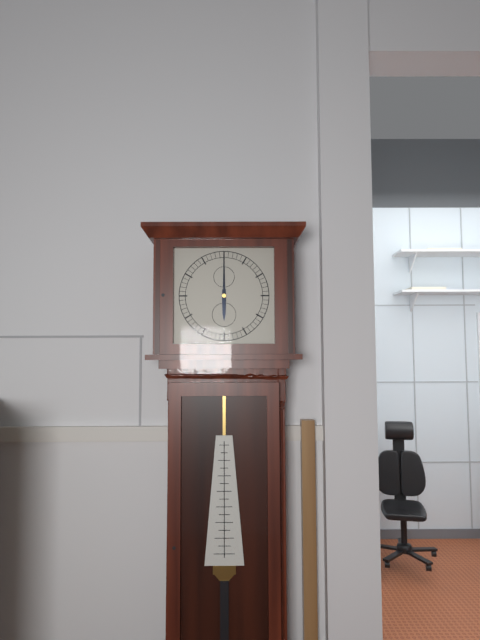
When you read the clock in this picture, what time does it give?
6:00
